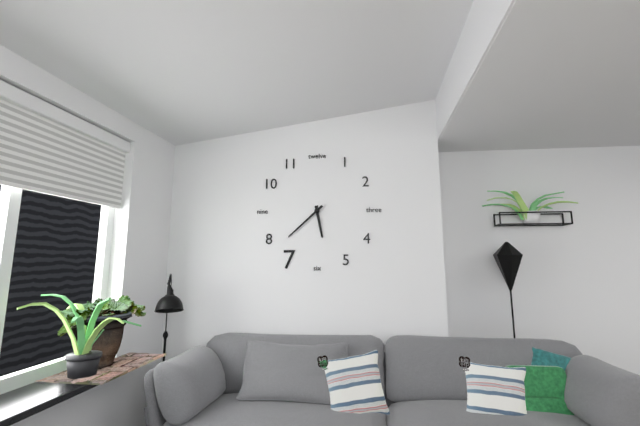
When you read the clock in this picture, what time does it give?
5:38
